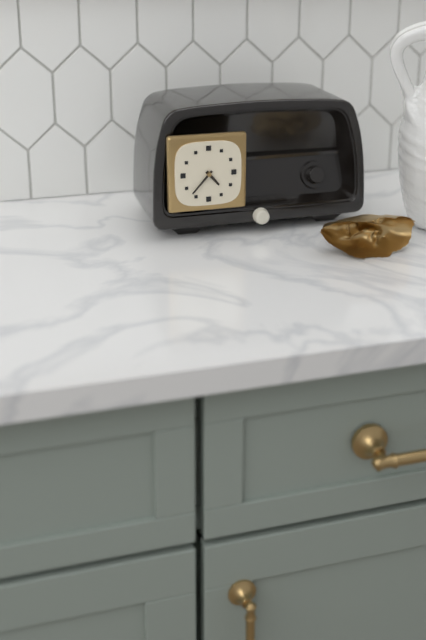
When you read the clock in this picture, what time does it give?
4:37
